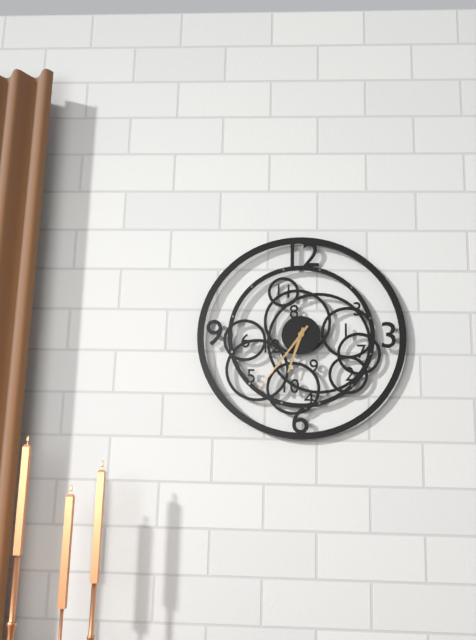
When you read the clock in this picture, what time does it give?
6:36
